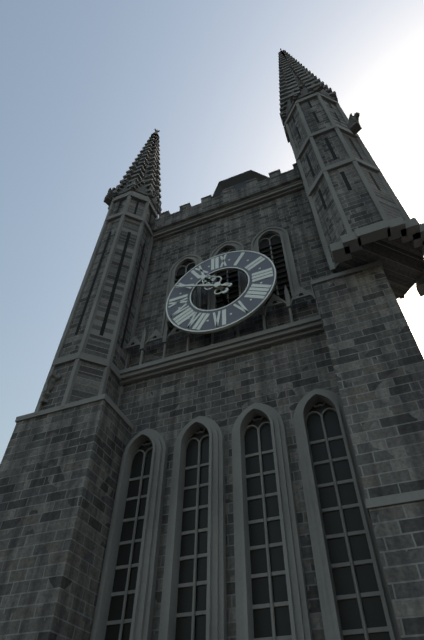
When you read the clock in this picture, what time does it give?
10:49
